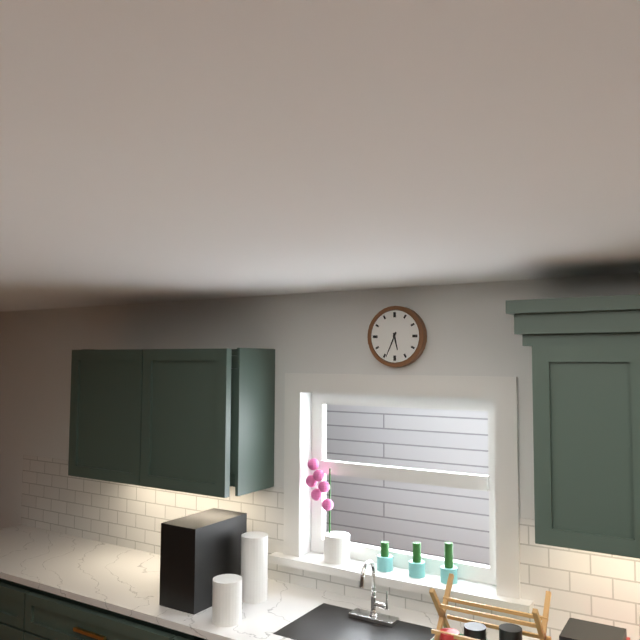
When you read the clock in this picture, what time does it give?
5:34
